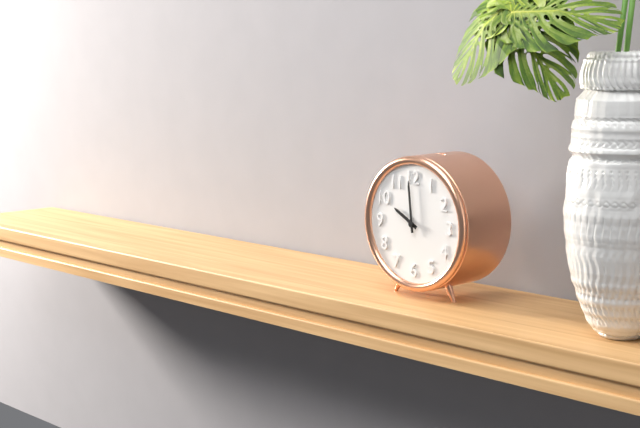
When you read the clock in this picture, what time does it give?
9:59
